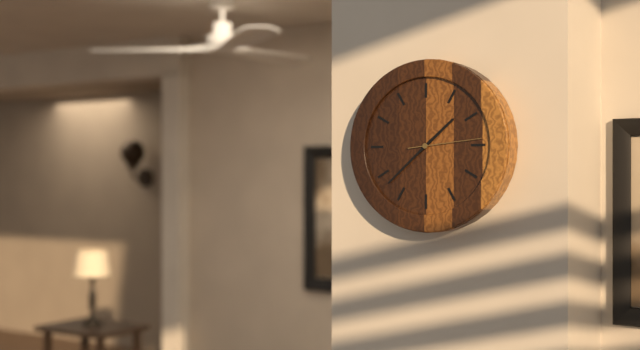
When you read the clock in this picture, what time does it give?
1:38:14
